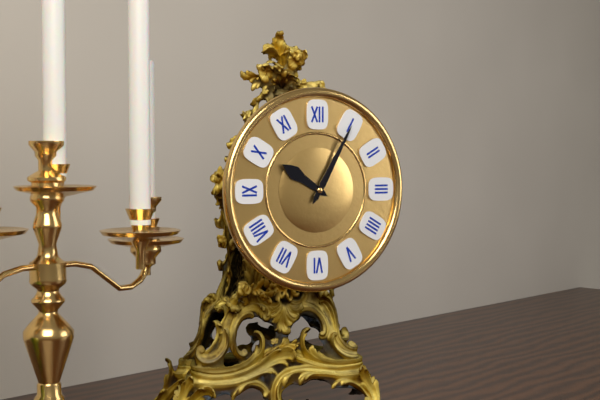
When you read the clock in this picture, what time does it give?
10:05
